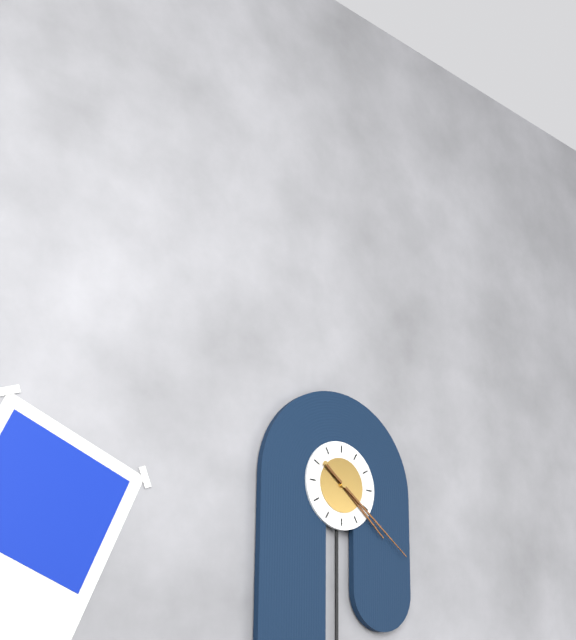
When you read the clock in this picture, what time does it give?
4:21
